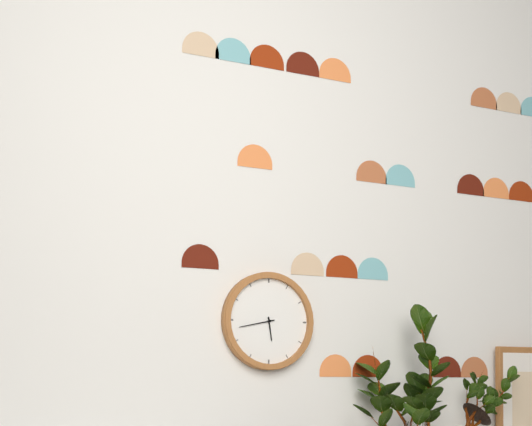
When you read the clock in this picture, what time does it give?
5:43
